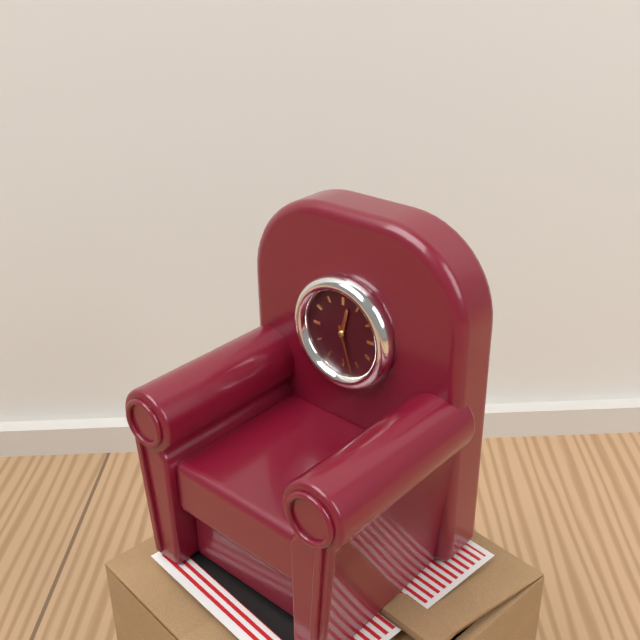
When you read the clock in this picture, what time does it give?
12:27
